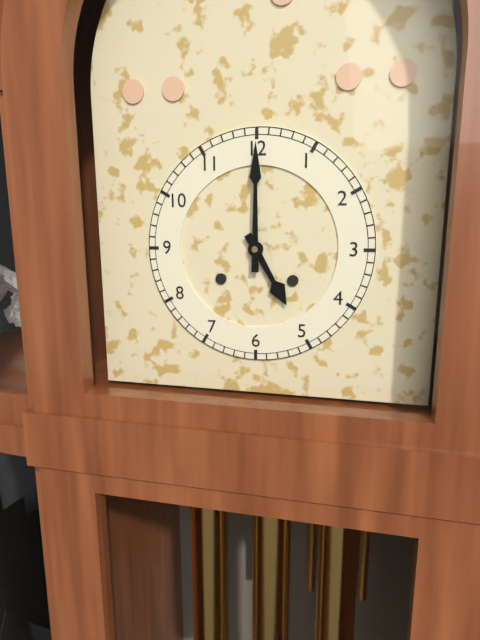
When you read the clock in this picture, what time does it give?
5:00
